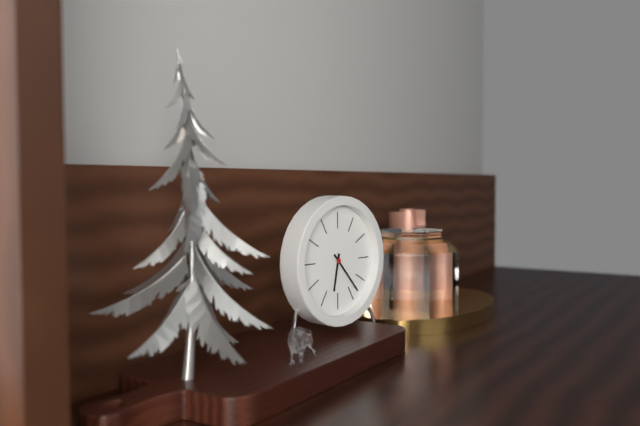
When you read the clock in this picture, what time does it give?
6:23
